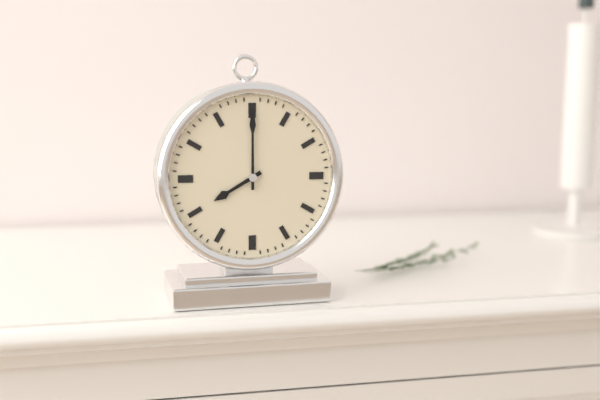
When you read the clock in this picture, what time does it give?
8:00
